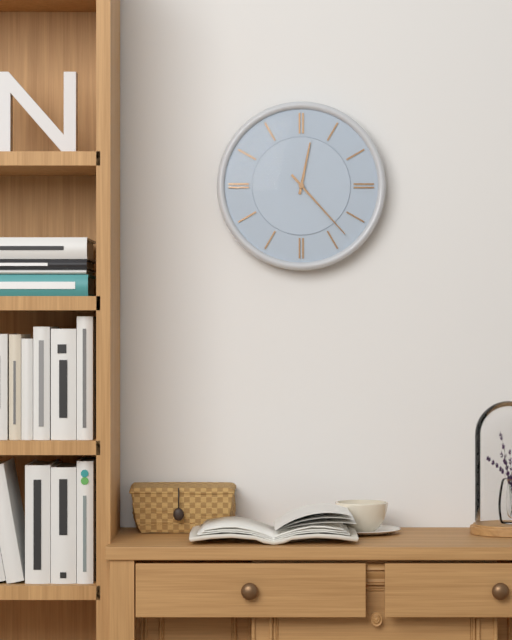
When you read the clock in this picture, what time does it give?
12:23
